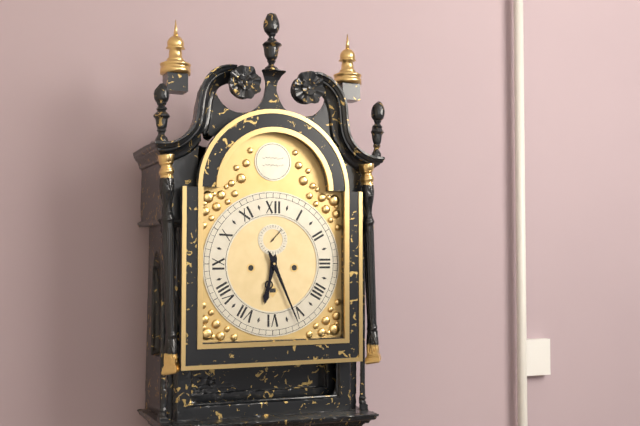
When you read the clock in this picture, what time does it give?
6:26
